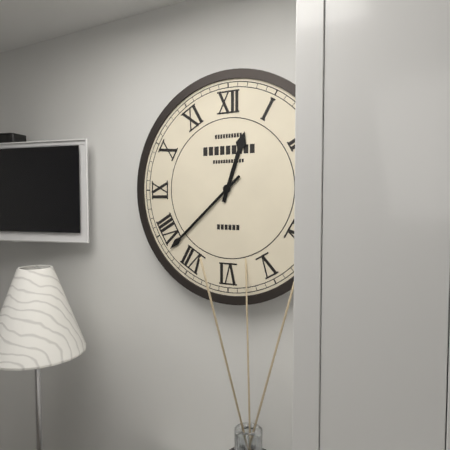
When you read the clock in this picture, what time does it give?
12:38
